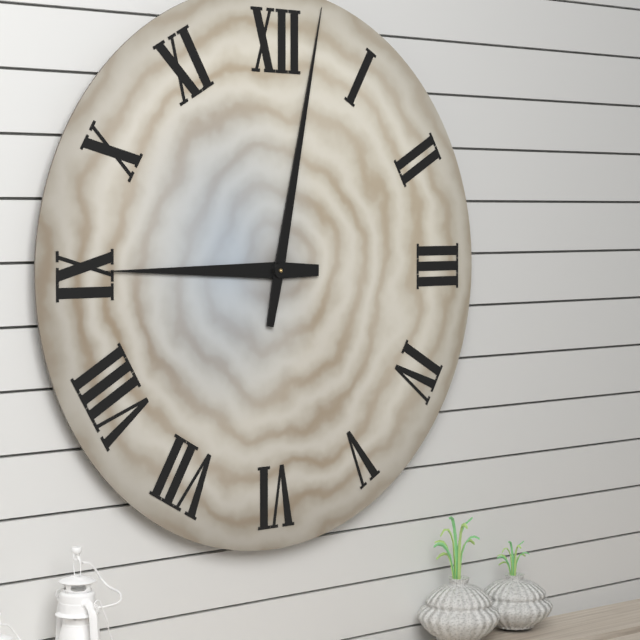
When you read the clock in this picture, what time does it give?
9:02
